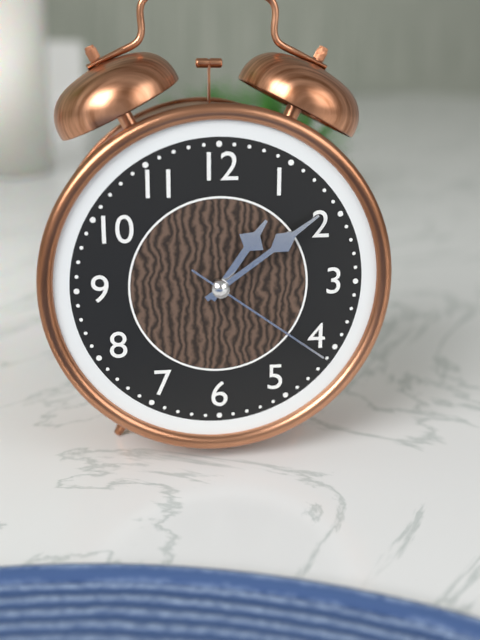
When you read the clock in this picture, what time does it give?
1:09:21
